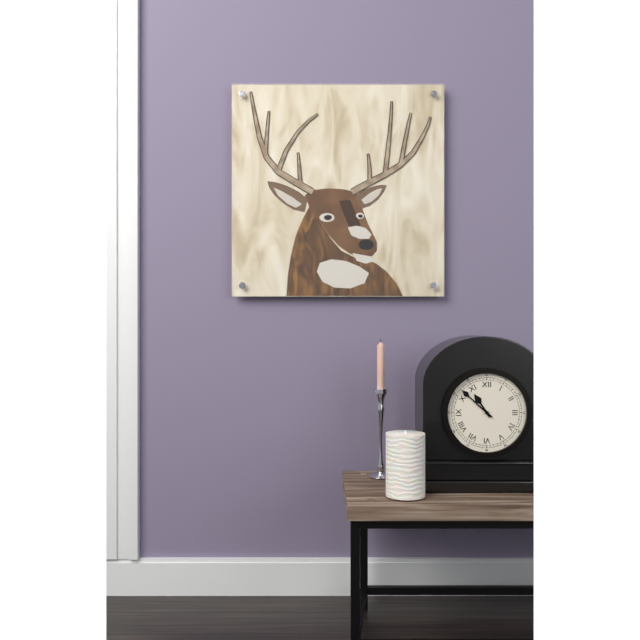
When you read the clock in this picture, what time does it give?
10:52
